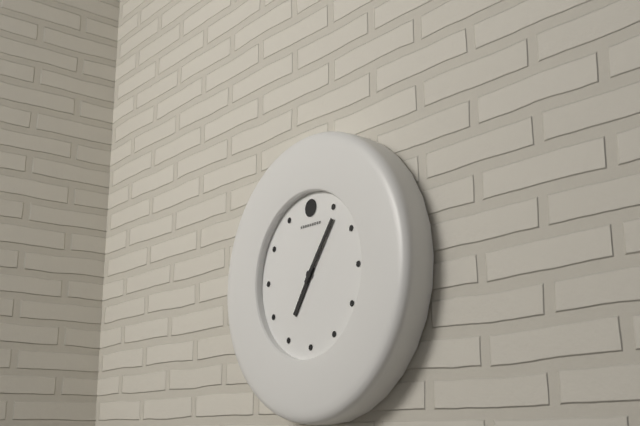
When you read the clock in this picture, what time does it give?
7:06
